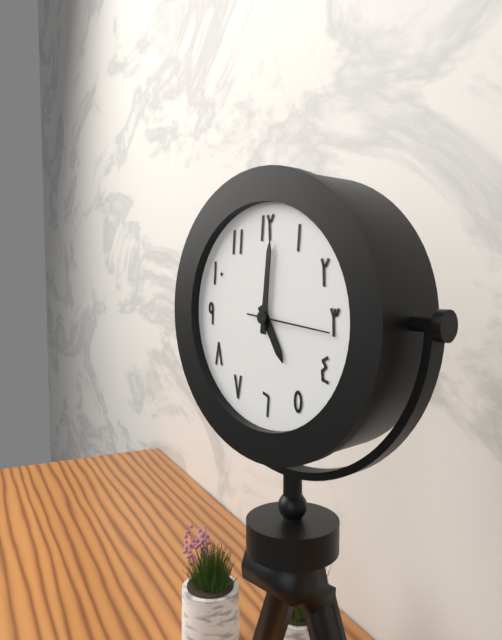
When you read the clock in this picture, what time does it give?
5:01:16
